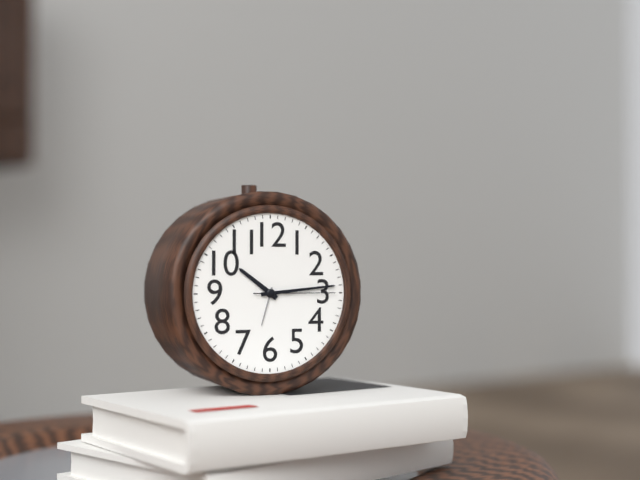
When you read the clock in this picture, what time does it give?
10:14:15
